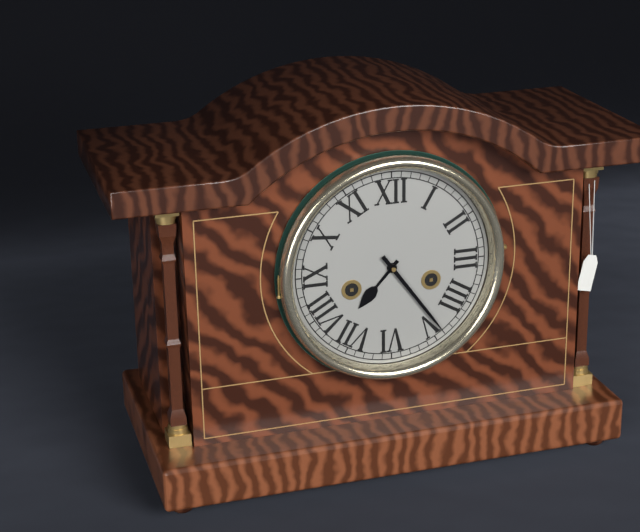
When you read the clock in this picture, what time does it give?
7:24
